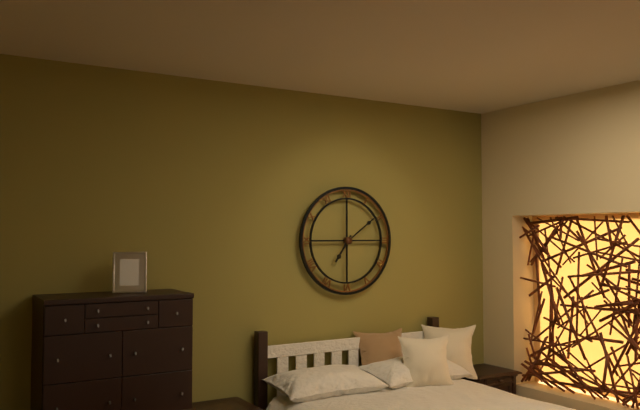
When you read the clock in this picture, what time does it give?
7:09
